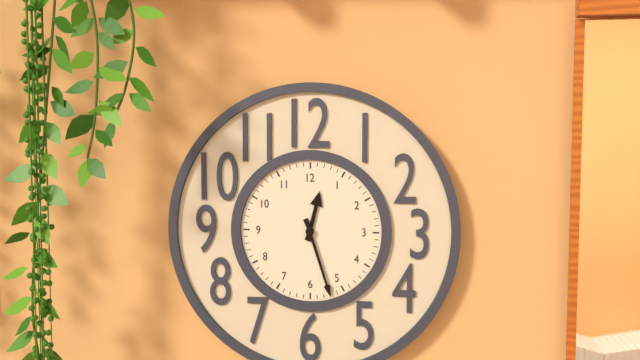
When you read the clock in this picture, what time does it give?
12:27
